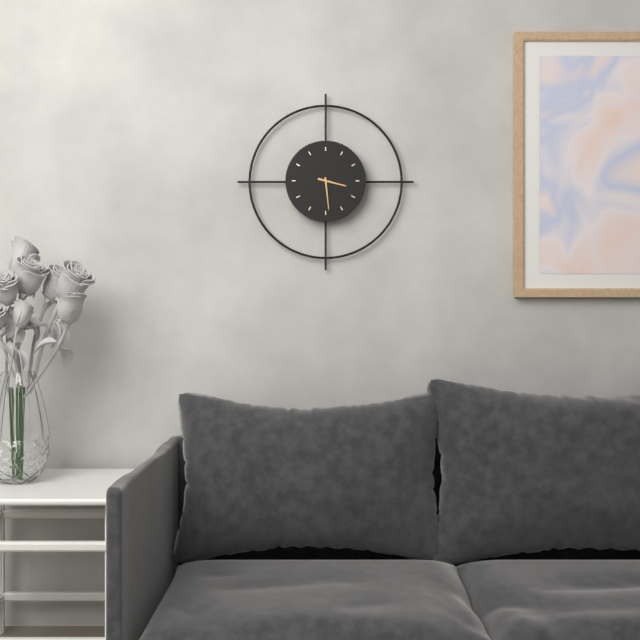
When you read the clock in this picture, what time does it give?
3:29
